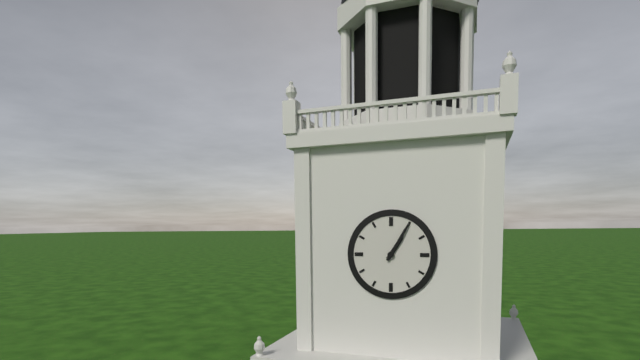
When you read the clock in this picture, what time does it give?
1:05
